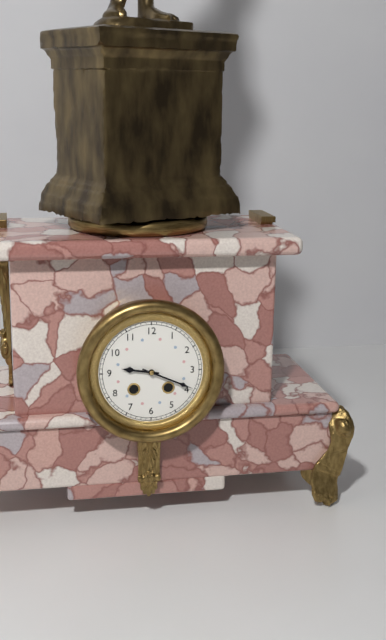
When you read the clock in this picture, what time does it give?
9:19
